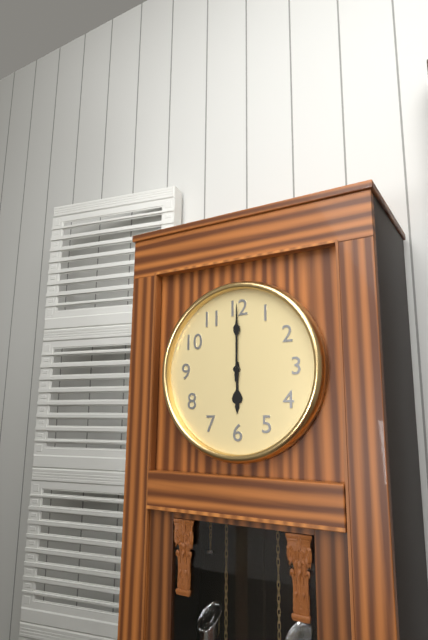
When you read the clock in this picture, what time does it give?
6:00
